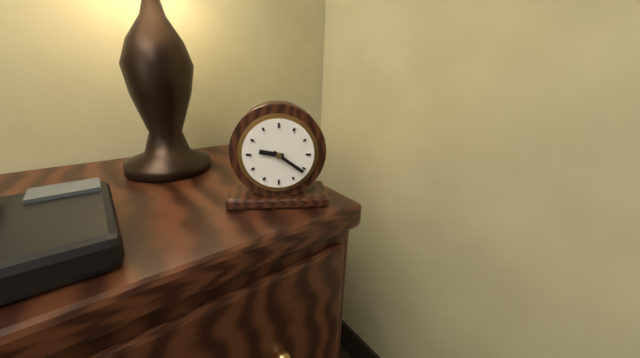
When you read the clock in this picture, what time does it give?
9:21
